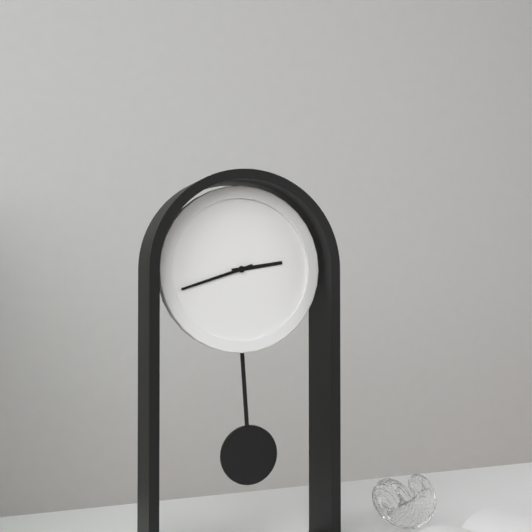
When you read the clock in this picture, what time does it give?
2:42
